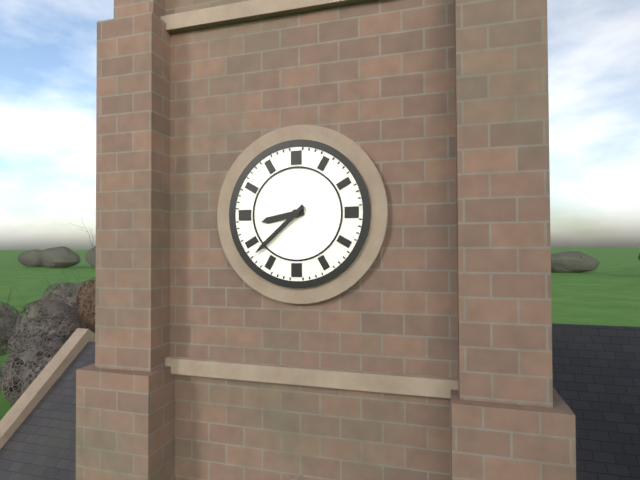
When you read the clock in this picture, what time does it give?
8:38
